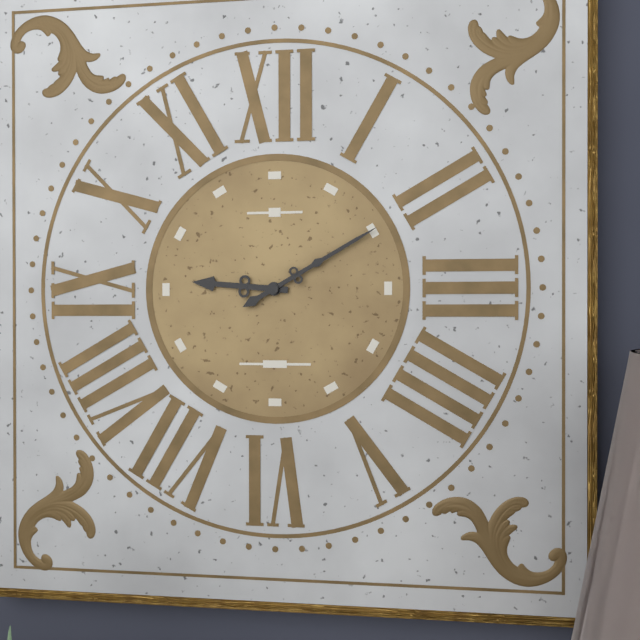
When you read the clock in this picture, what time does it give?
9:10
